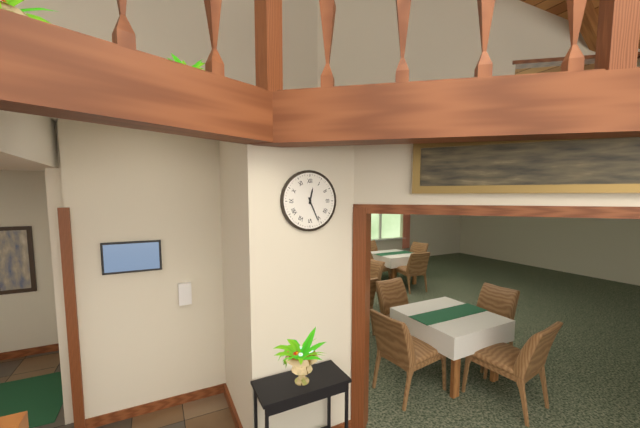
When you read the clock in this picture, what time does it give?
12:26
